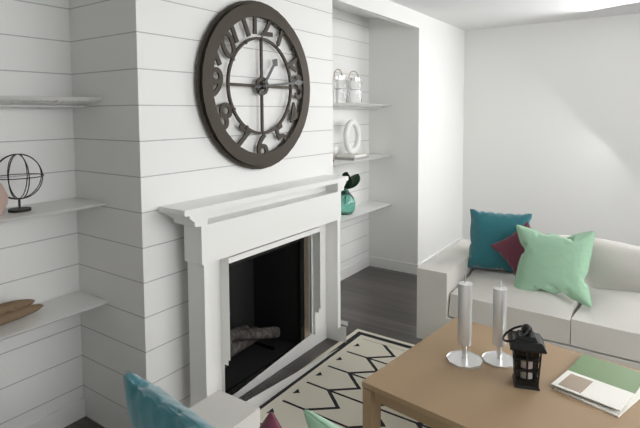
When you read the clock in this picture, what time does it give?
1:14
